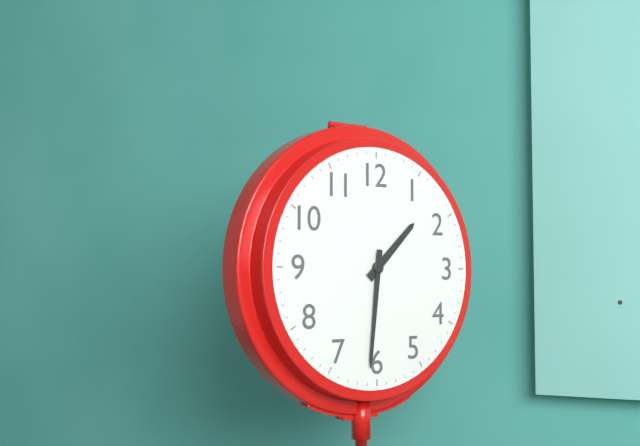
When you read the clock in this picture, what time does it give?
1:31
